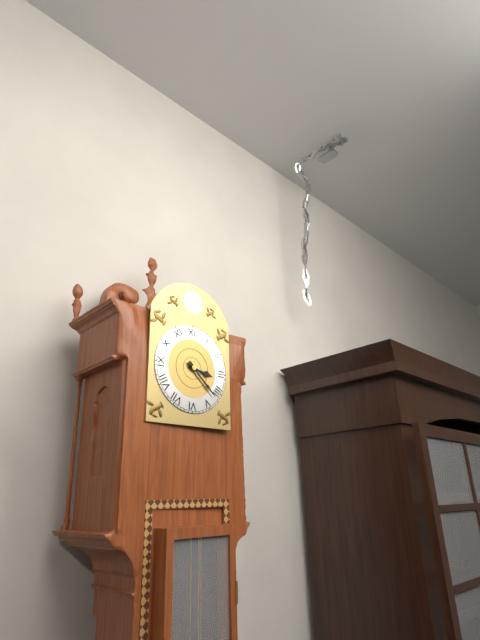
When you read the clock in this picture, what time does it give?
3:22
